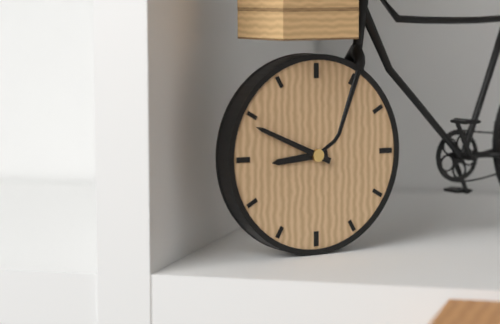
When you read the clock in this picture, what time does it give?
8:49
